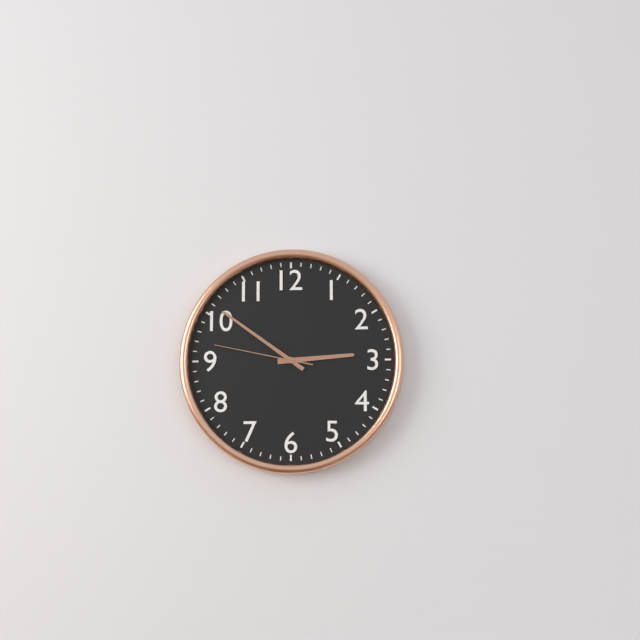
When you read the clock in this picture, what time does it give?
2:51:47
